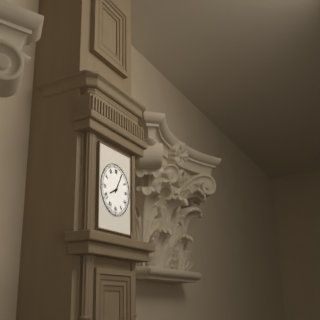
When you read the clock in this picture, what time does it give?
8:05
